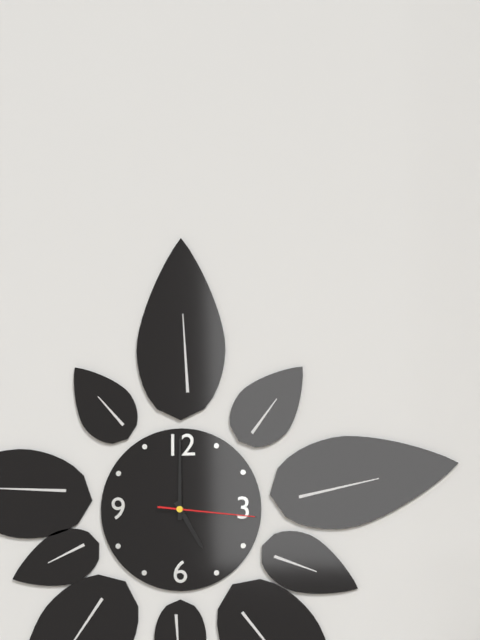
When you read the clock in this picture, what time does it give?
5:00:16
